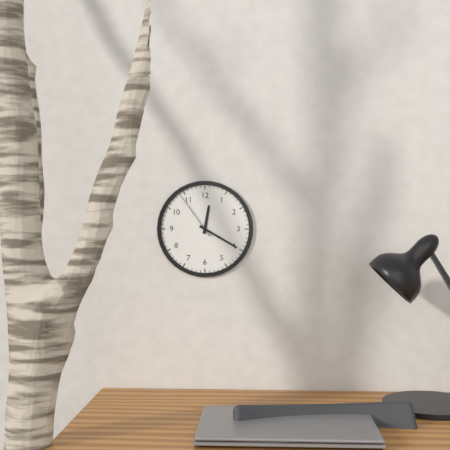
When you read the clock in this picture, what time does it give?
12:20:54
